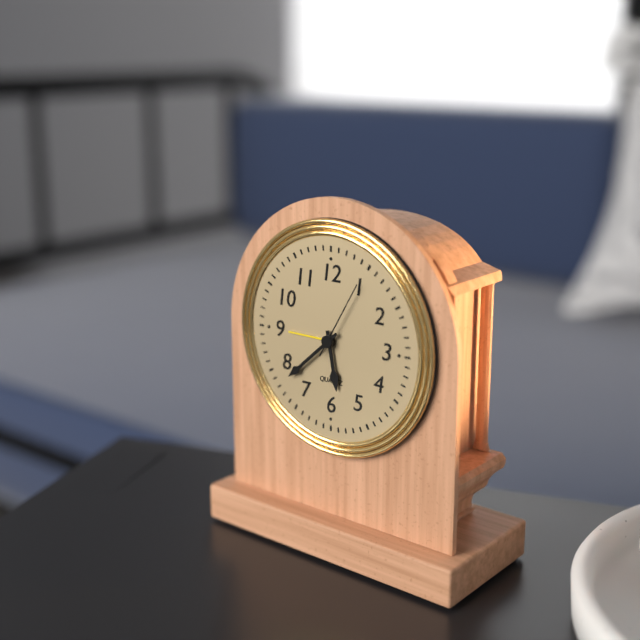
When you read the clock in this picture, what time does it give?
5:38:05
